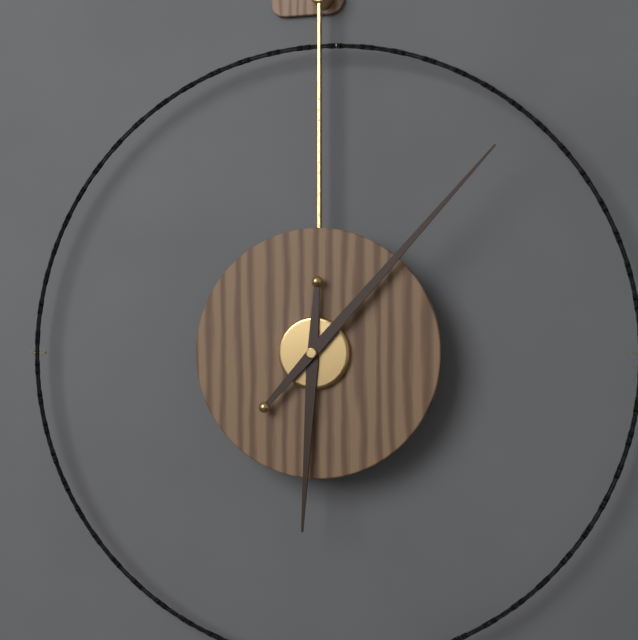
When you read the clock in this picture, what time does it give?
6:07
